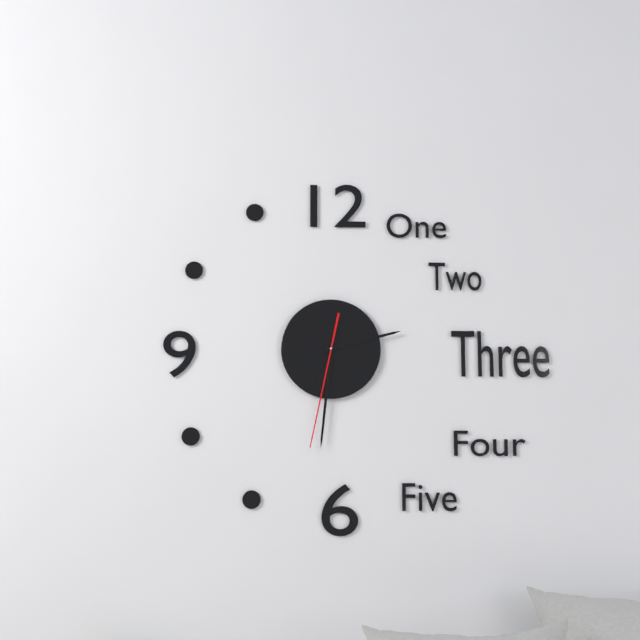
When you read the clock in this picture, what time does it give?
2:31:32
